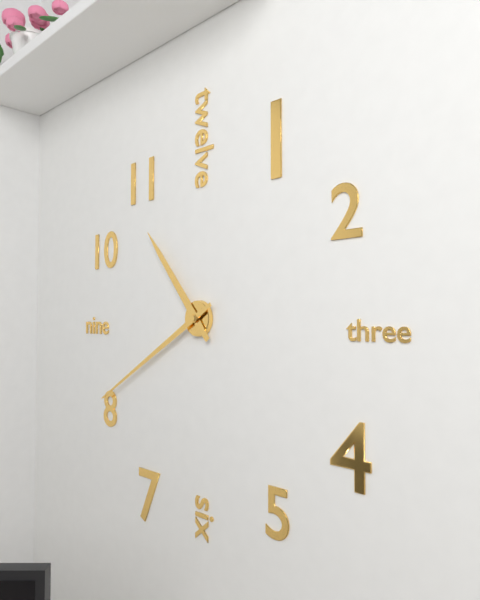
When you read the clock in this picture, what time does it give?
10:40
